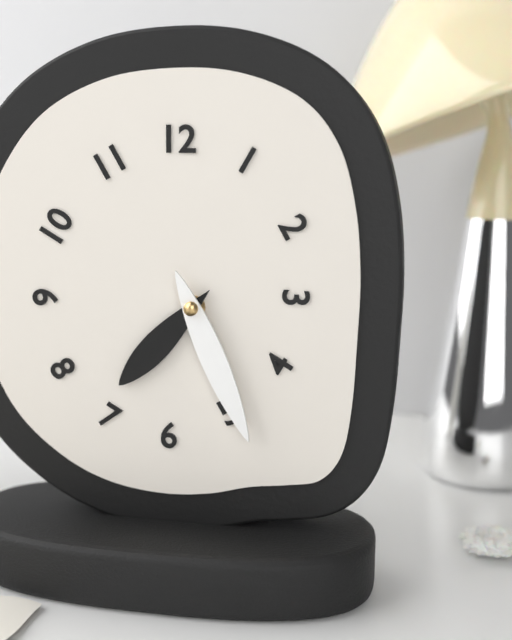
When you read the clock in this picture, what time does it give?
7:26
